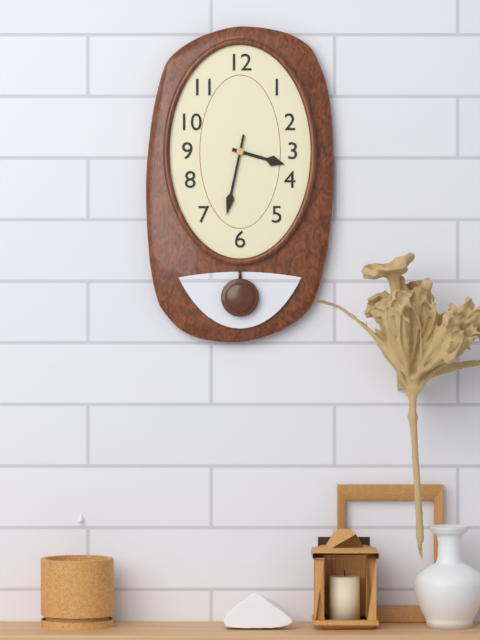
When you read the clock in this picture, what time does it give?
3:32
